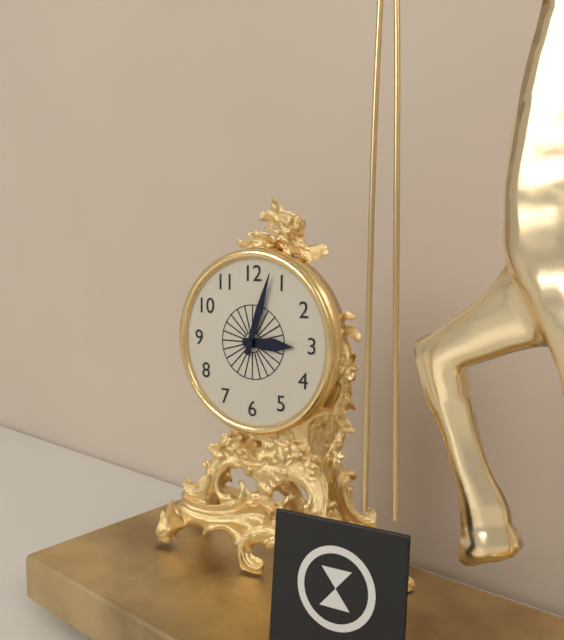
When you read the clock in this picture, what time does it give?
3:03
